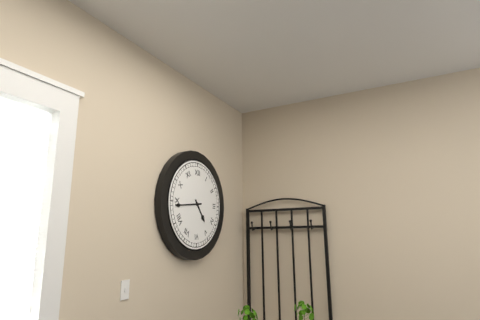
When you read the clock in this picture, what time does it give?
4:44
